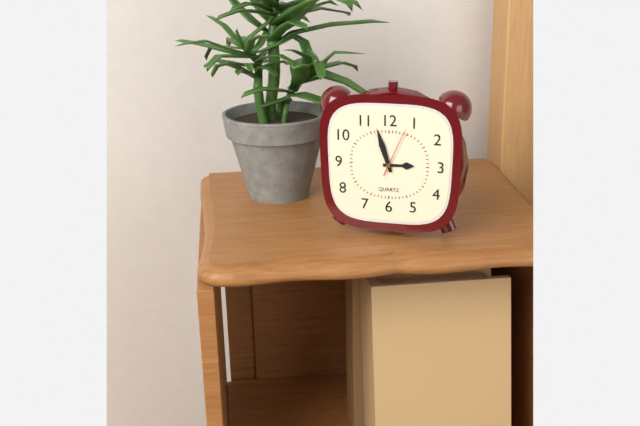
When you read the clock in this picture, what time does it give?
2:57:04
